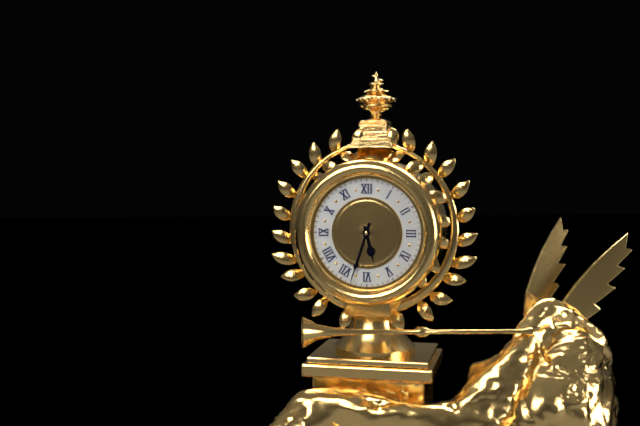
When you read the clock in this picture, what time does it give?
5:33
